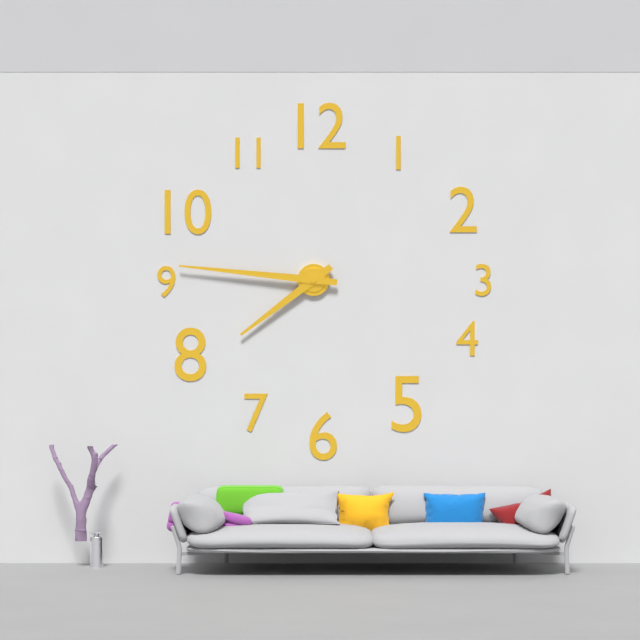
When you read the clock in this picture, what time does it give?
7:46
